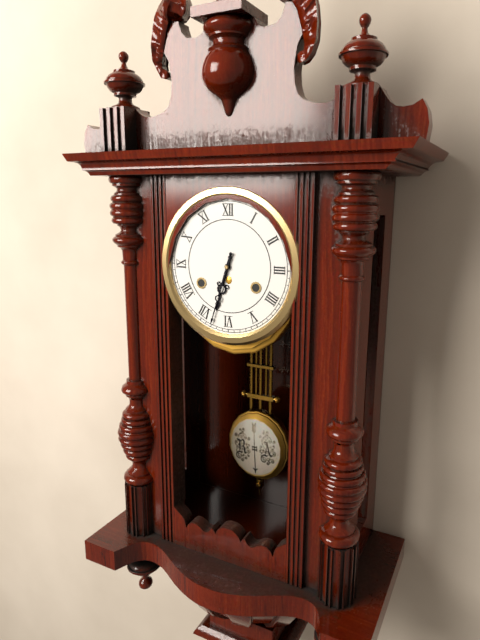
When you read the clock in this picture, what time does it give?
6:33
